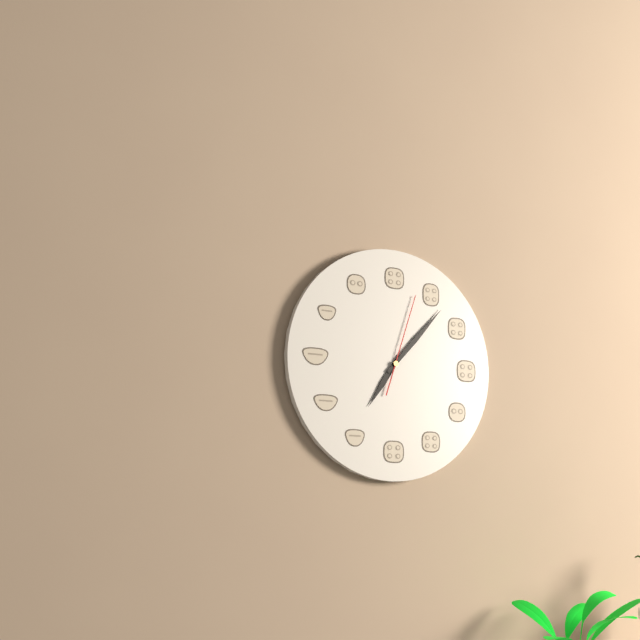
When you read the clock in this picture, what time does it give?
7:07:03
